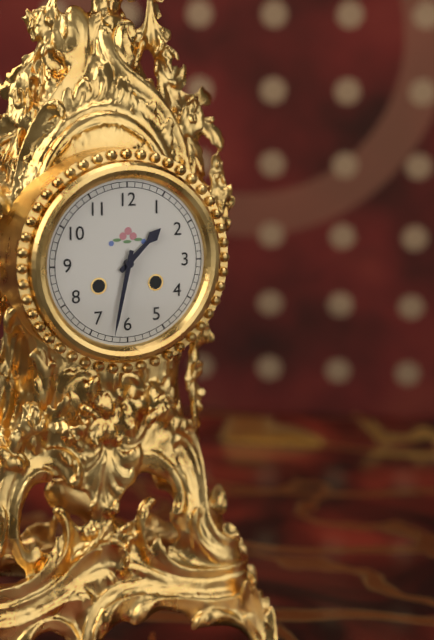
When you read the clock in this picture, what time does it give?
1:32
